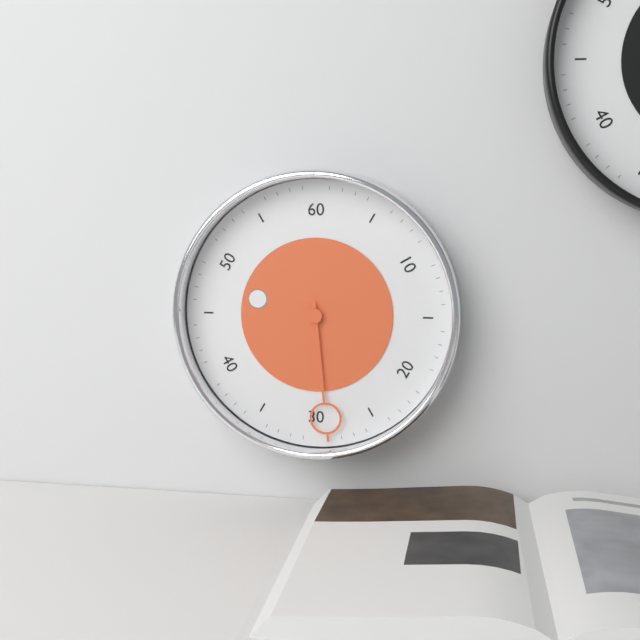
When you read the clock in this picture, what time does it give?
9:29
